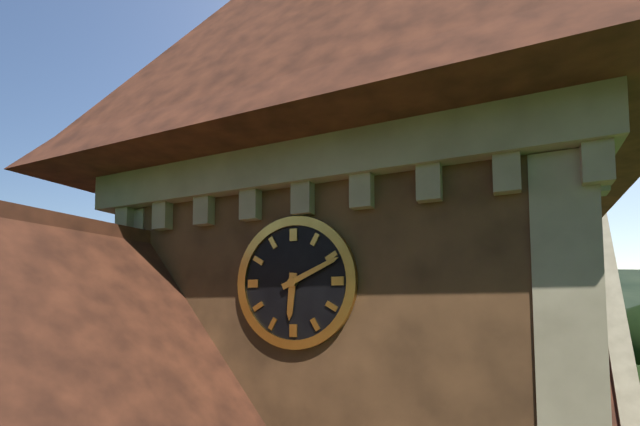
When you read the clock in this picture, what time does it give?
6:11
